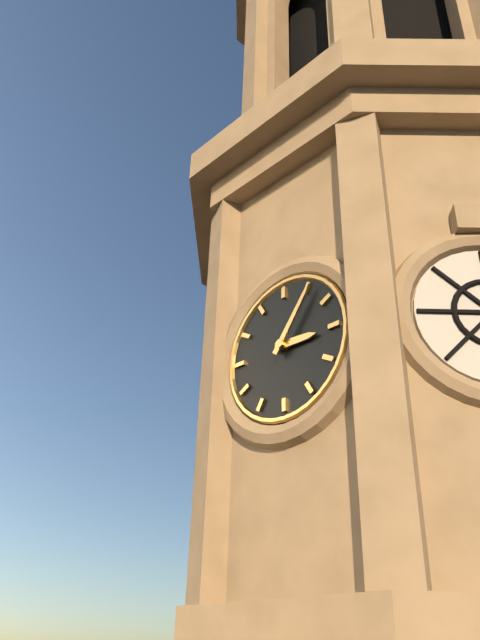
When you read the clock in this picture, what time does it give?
3:06
